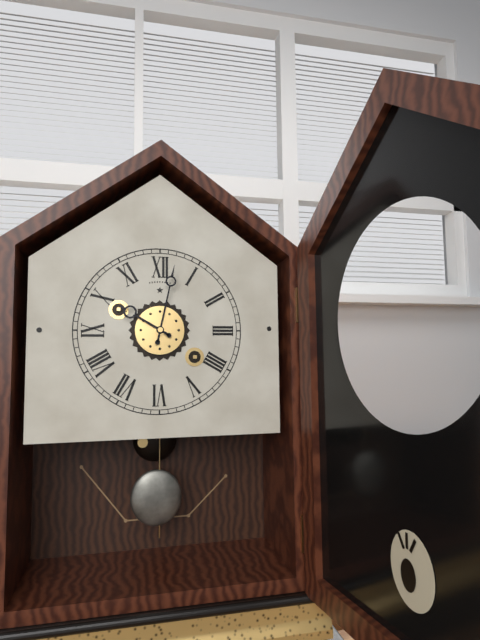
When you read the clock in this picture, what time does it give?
10:02
